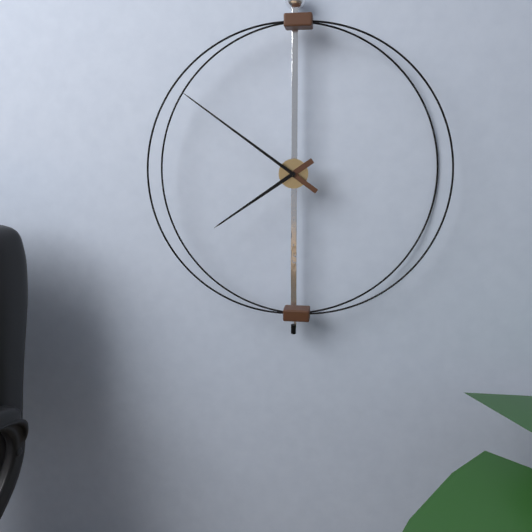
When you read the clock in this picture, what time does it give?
7:51
